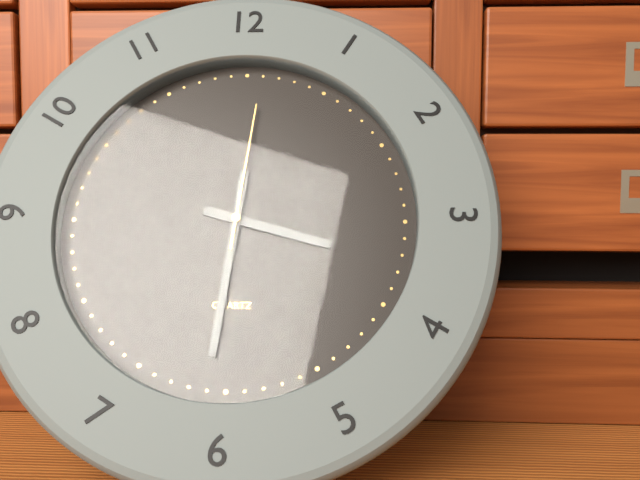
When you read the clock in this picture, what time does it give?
3:31:01
